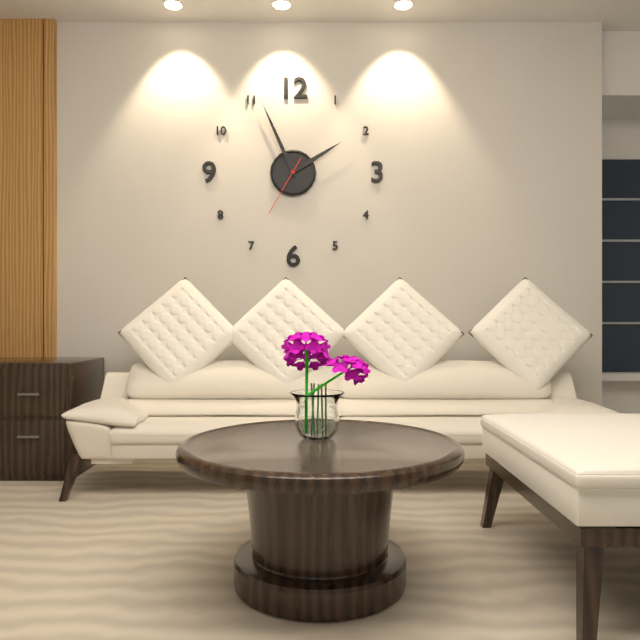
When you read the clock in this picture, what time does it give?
1:56:35
